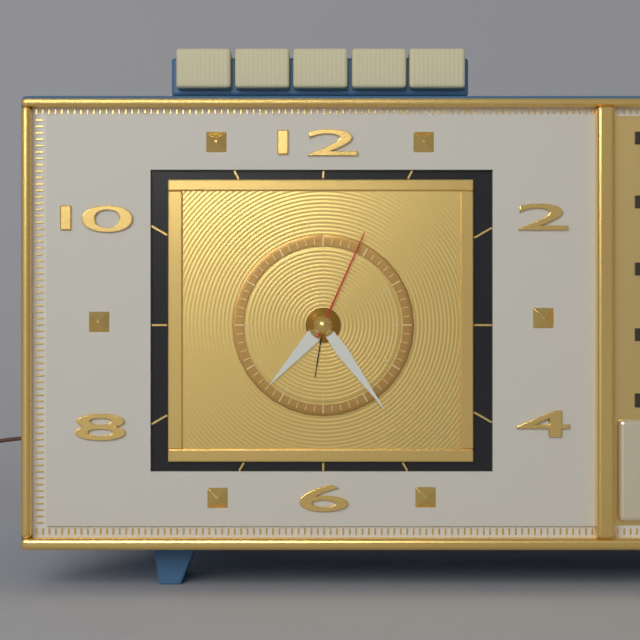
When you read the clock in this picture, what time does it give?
7:24:04
